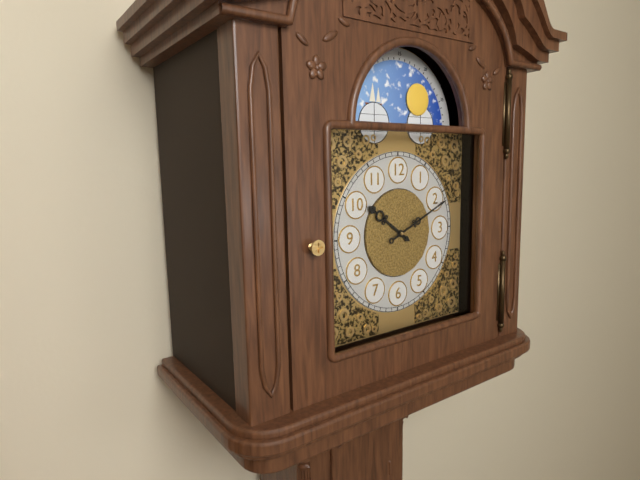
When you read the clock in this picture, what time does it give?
10:11
